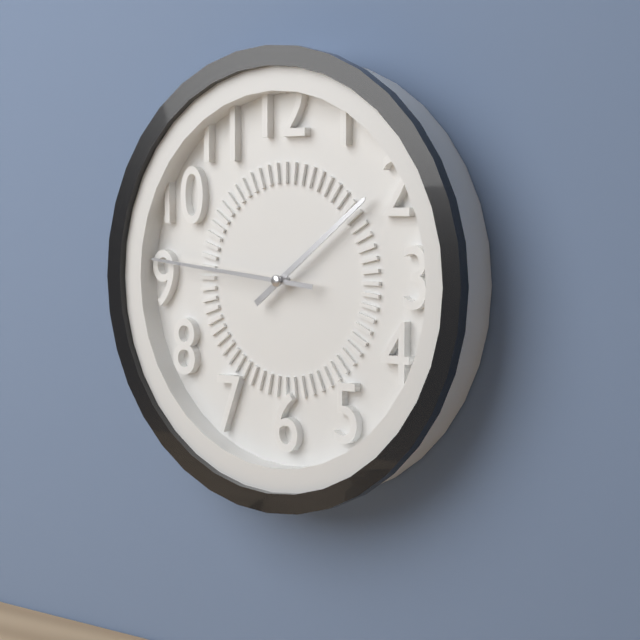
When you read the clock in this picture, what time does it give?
1:46
